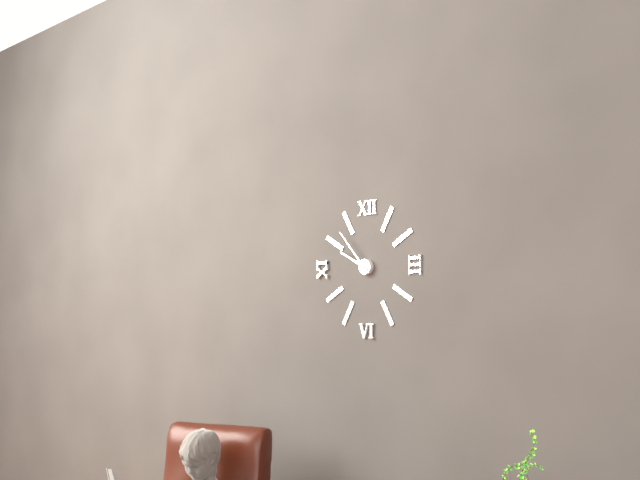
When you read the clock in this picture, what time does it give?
9:53
